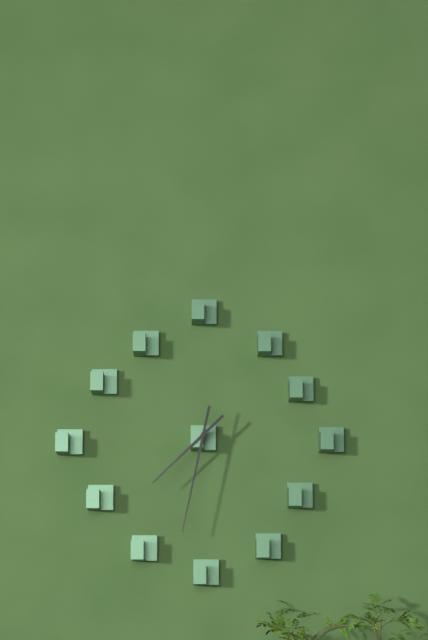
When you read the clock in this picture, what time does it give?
7:32
